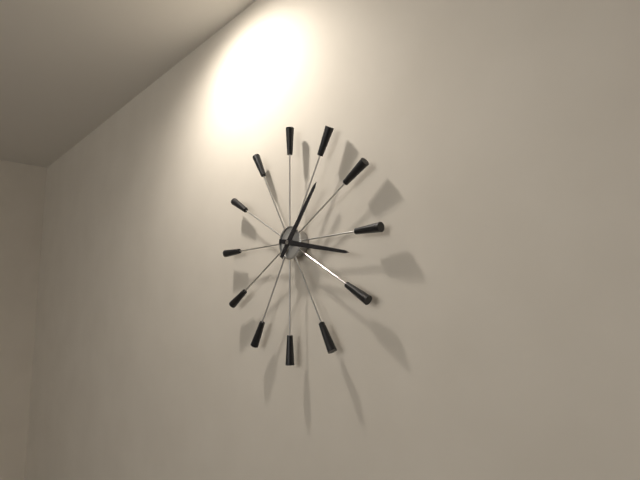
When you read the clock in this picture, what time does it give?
1:17
